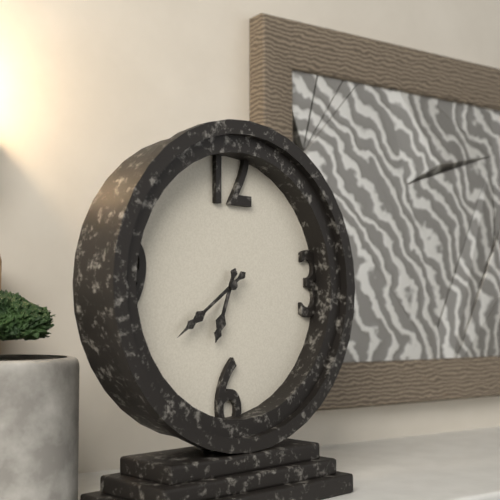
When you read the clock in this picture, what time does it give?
6:39
